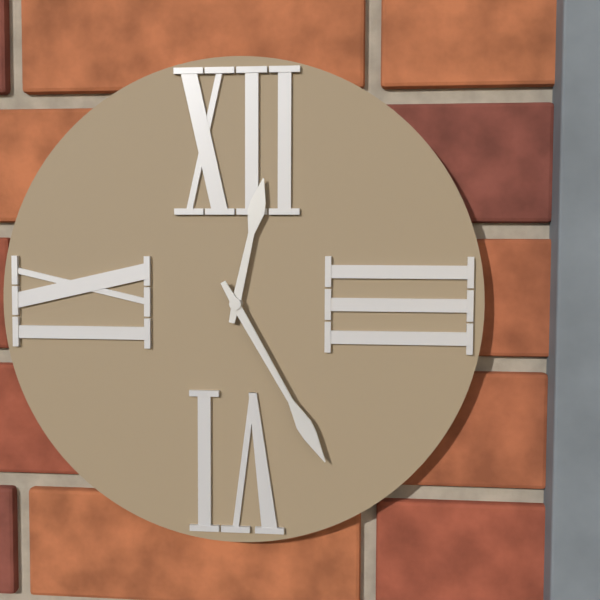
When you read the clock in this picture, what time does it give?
12:25
